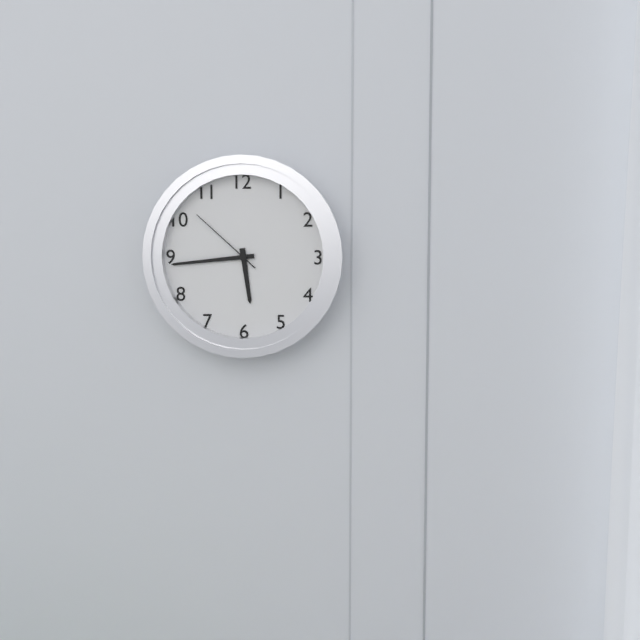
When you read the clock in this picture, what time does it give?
5:44:52
